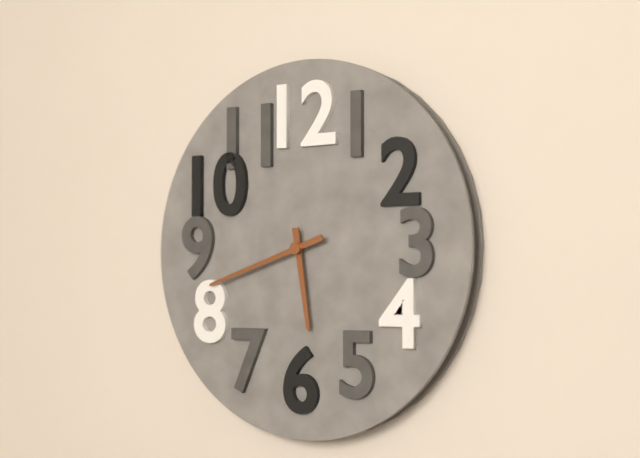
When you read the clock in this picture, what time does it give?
5:42
